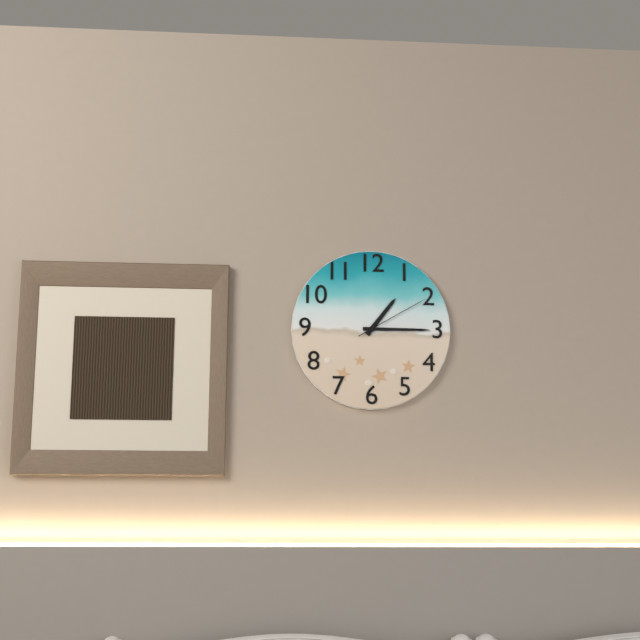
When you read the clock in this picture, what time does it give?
1:15:10
